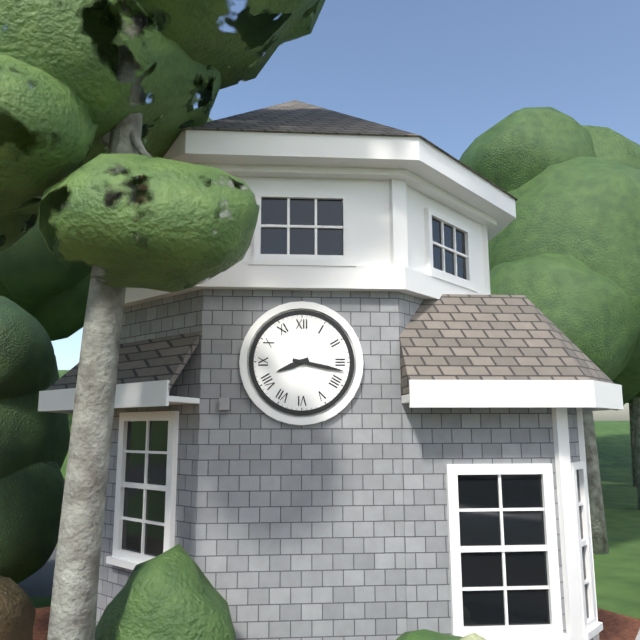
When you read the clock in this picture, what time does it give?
8:17
